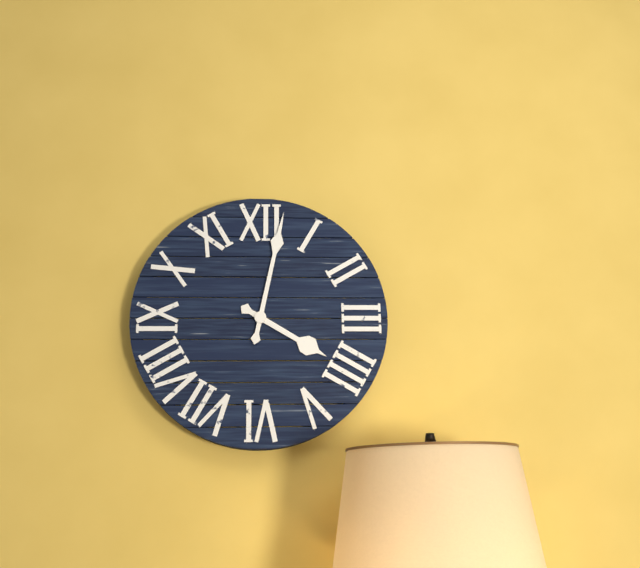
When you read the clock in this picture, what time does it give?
4:02
